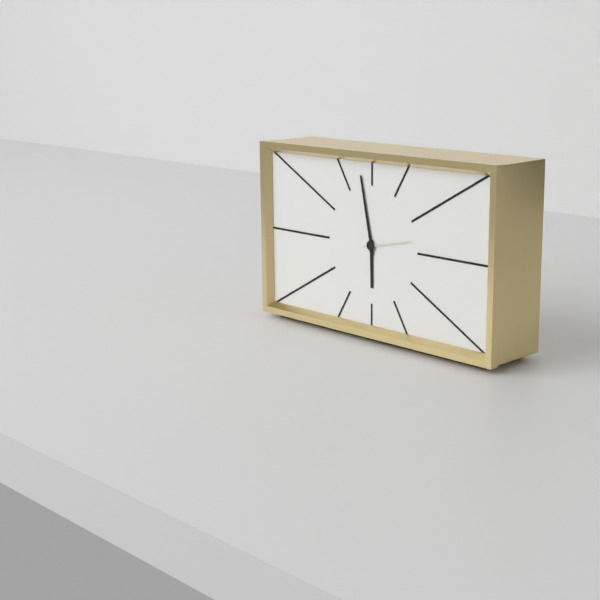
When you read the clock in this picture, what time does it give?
5:58:13
